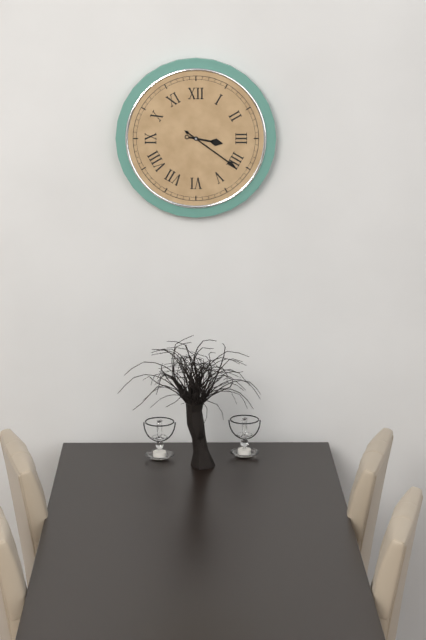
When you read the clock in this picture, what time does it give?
3:21
